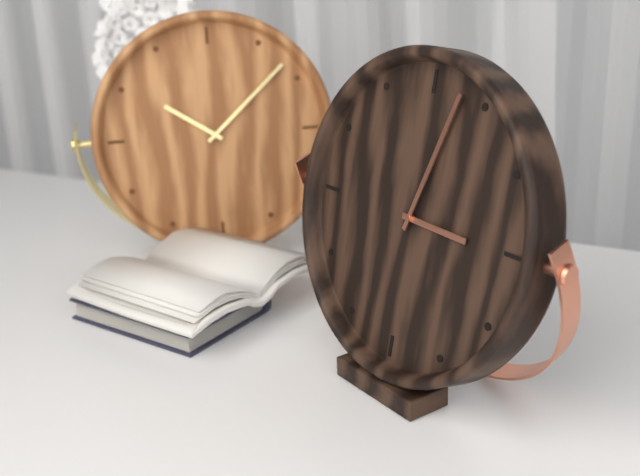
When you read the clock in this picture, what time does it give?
3:03
